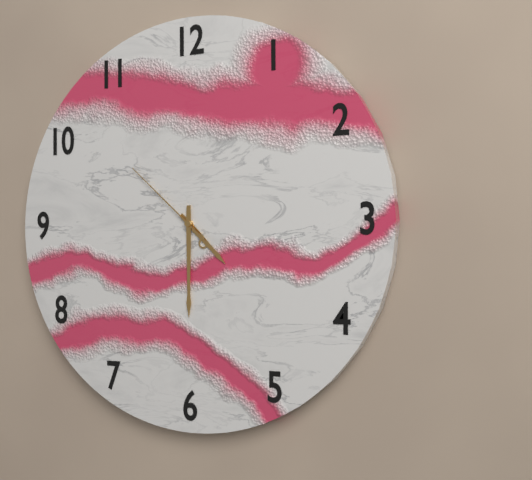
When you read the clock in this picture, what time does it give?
4:30:52
